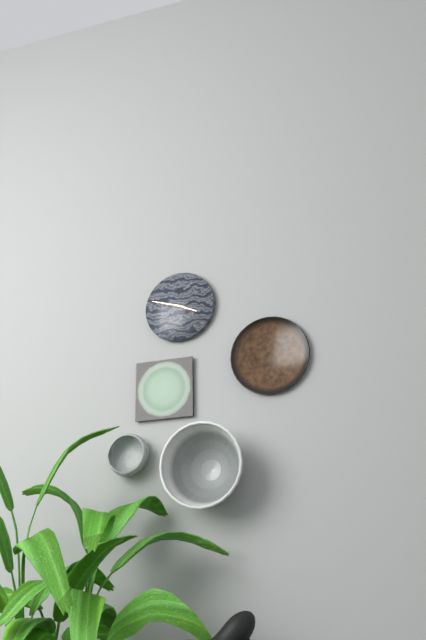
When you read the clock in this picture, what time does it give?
3:48
